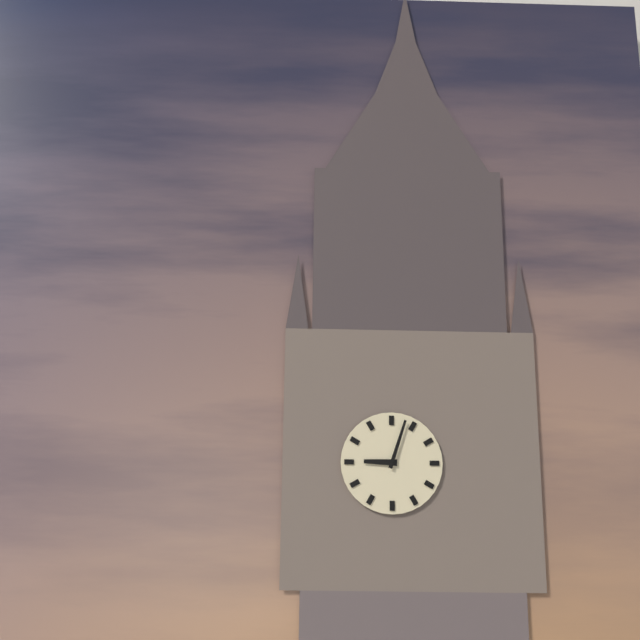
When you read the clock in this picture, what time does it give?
9:03
